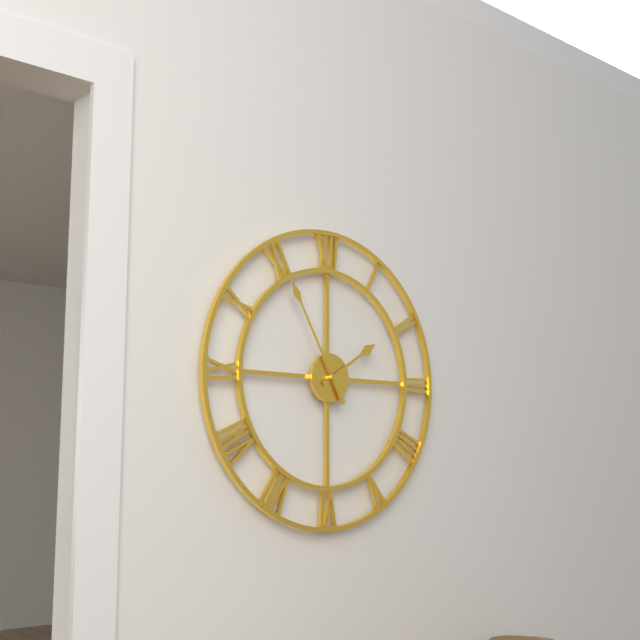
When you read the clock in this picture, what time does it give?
1:55
